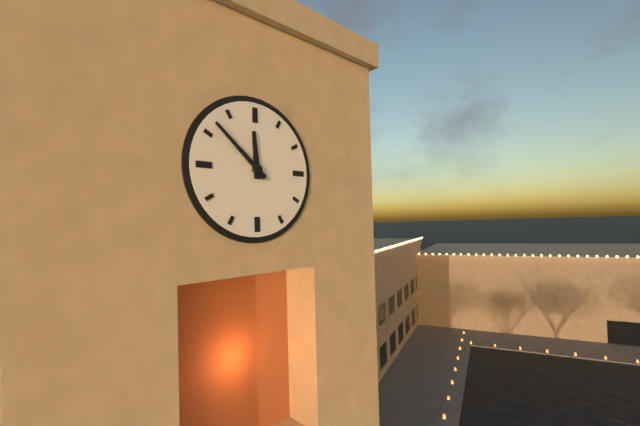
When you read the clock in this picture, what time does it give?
11:52
